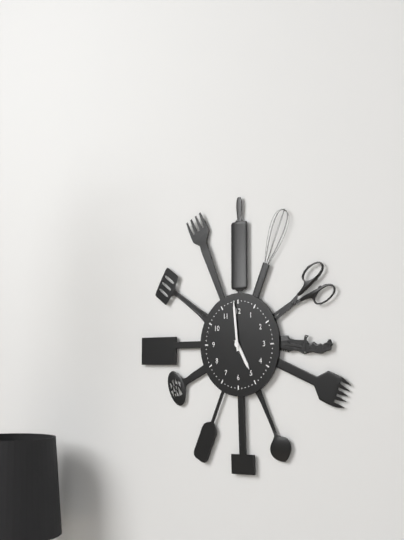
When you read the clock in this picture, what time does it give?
4:59
